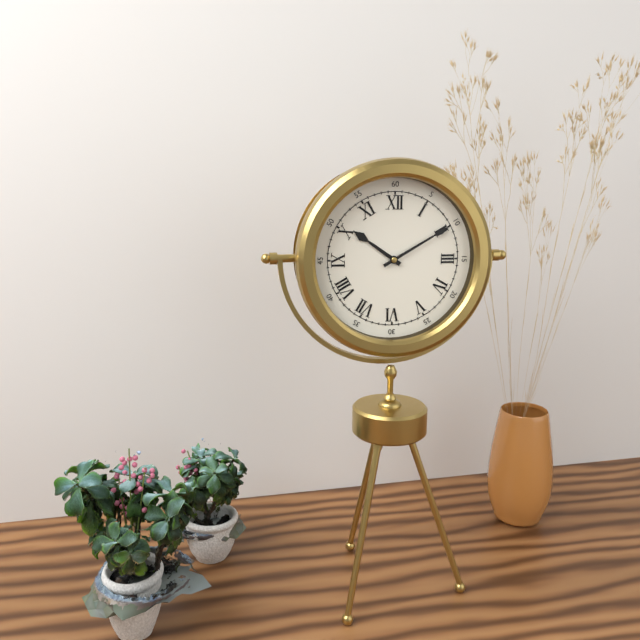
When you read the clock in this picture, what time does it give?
10:10
